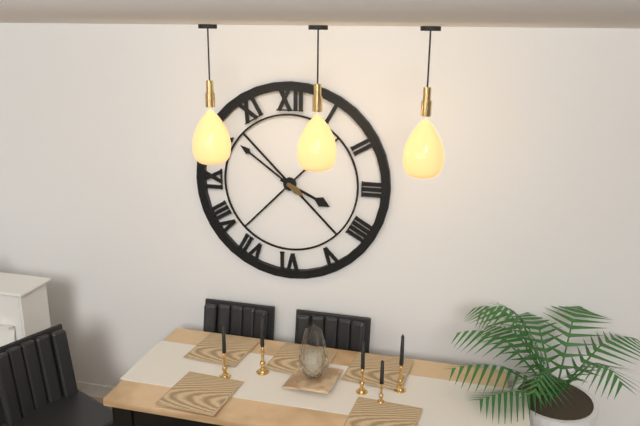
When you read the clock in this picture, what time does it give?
3:51
